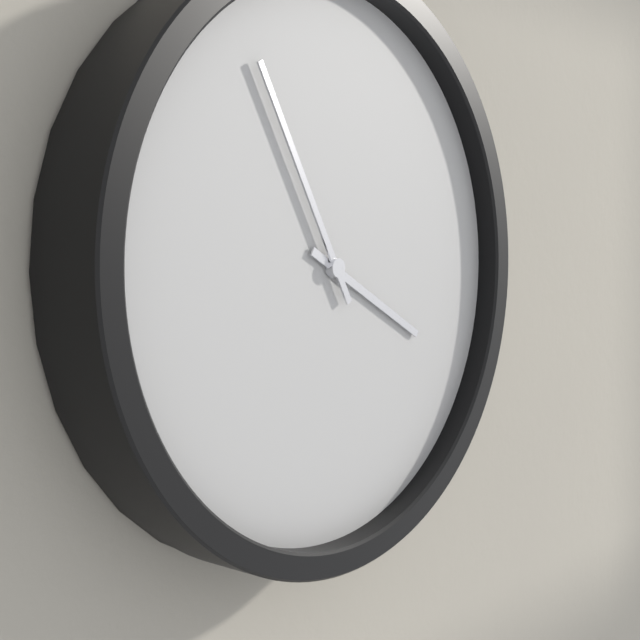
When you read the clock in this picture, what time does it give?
3:55
